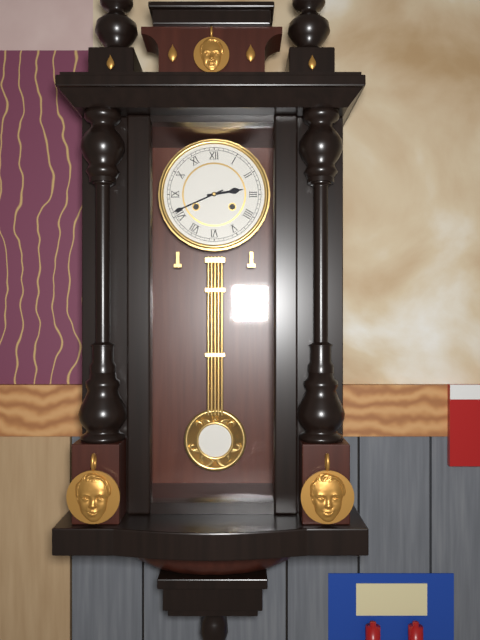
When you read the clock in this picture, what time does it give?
2:41
